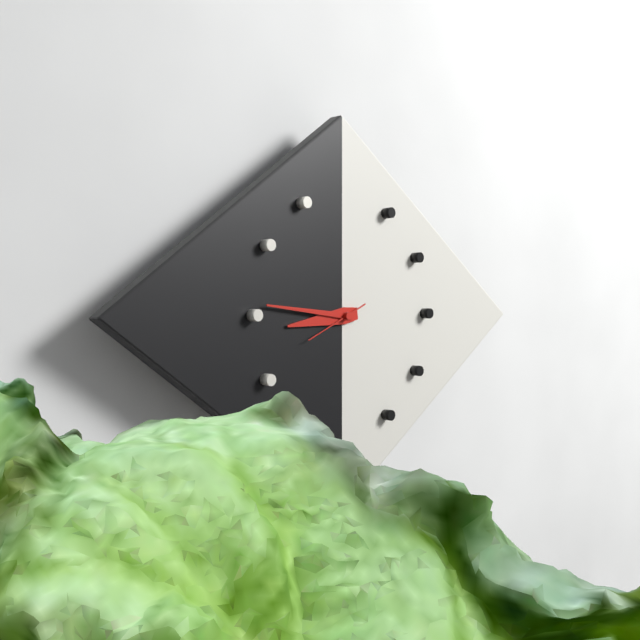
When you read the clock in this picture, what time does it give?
8:46:41
